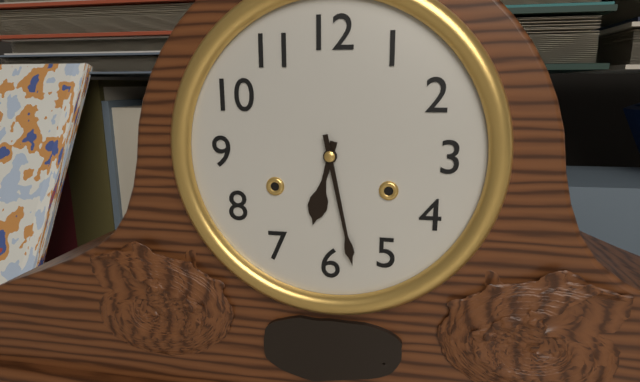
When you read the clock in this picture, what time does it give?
6:28
